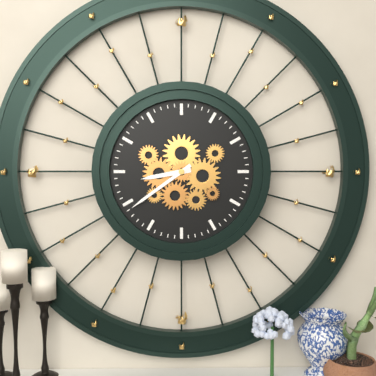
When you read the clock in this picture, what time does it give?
8:39
